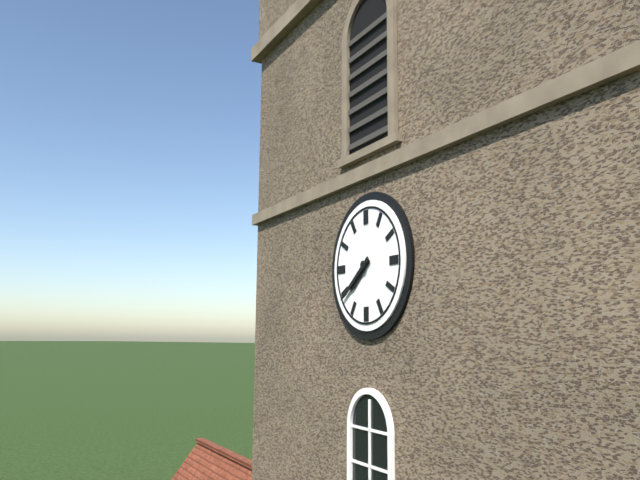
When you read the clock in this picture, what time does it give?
7:39
